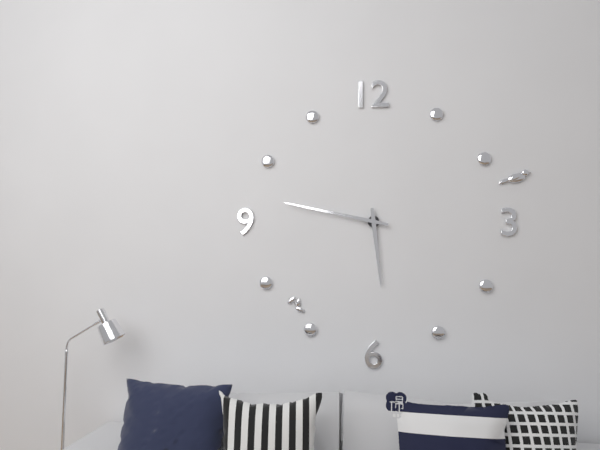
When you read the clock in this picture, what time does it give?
5:47
